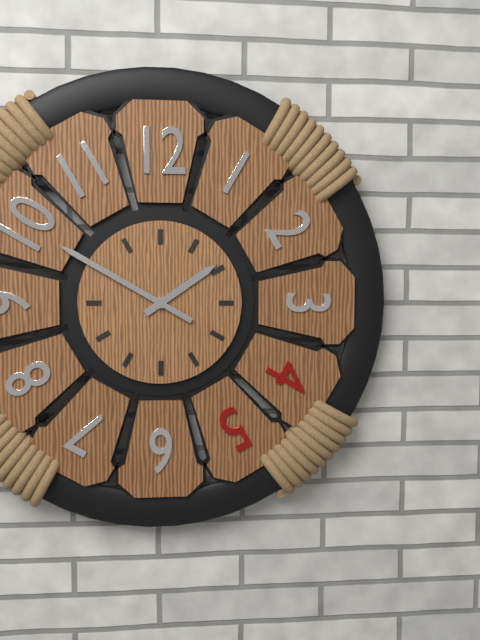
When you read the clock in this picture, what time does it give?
1:50
